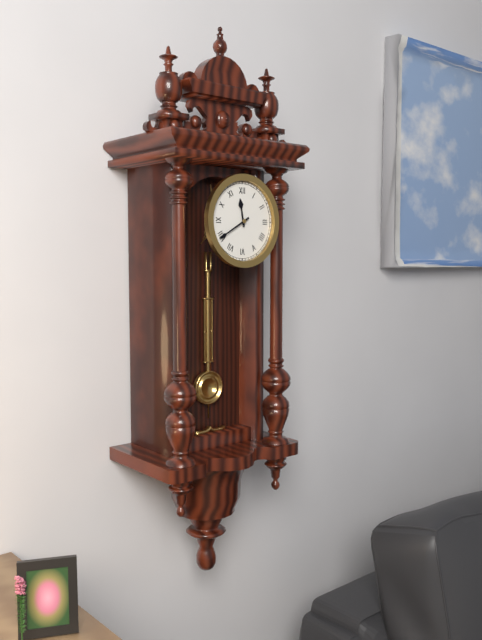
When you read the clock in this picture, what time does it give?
11:40
